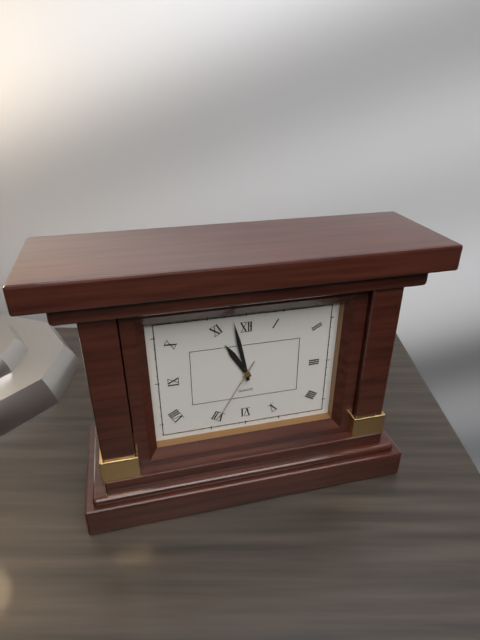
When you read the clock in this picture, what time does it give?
10:58:35
